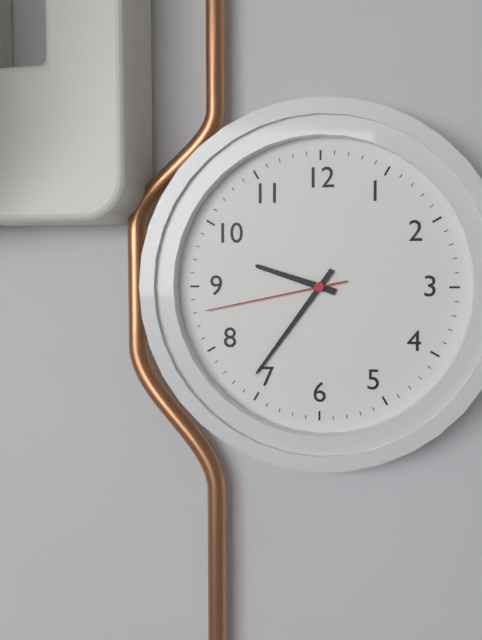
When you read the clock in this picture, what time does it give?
9:36:43
